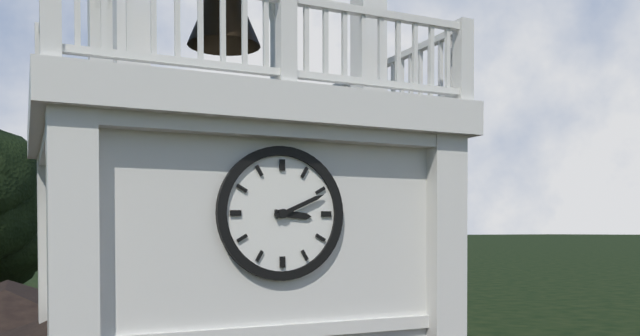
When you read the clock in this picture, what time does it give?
3:11
